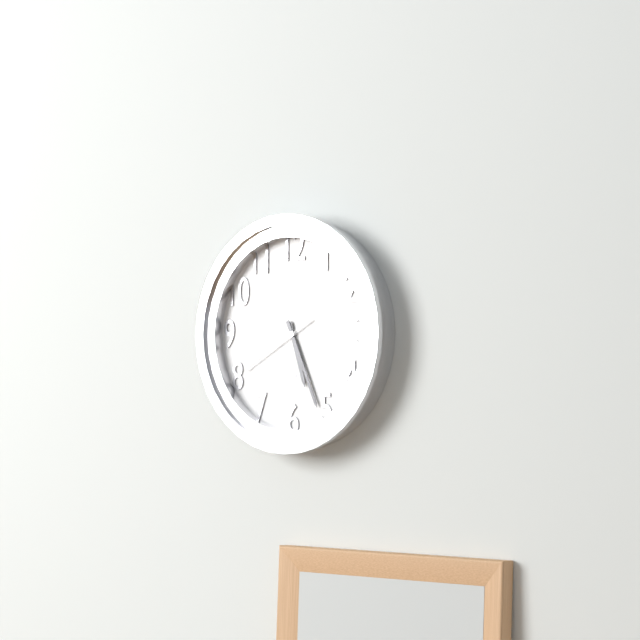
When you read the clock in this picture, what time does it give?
5:26:40
